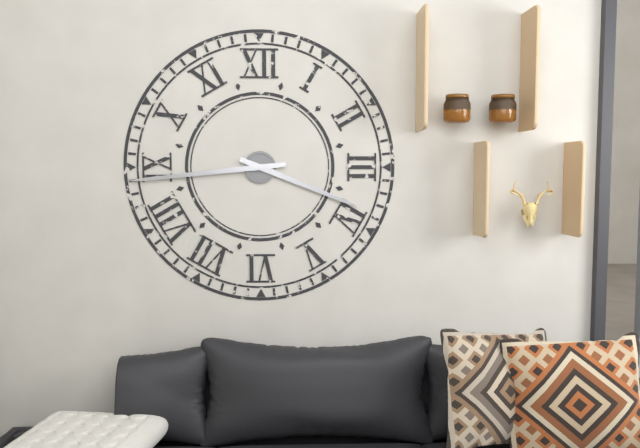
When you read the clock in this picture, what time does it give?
3:44
